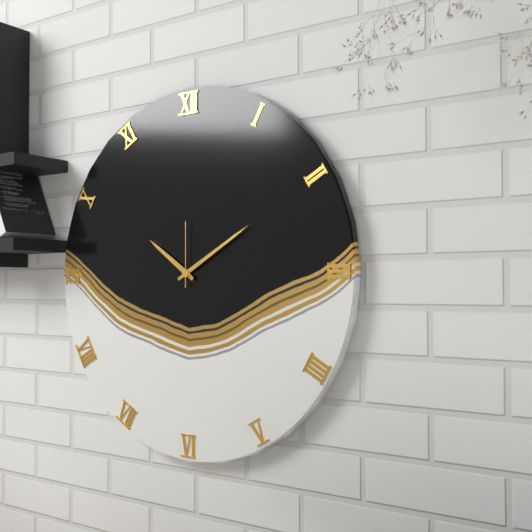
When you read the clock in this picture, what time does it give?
10:10:00
